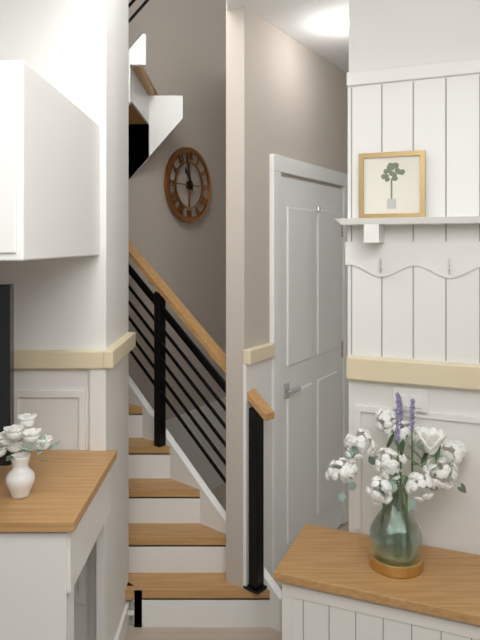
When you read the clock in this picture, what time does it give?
10:57
